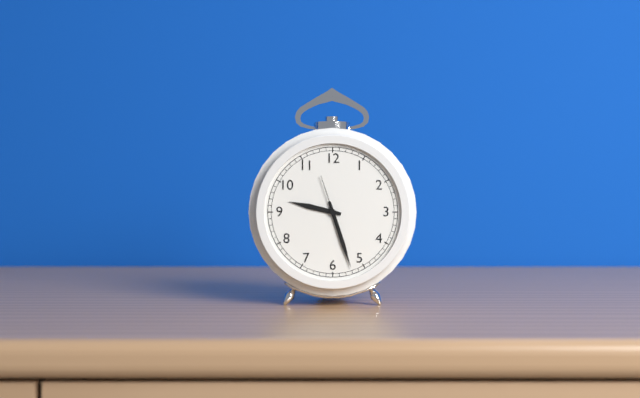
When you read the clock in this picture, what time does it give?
9:27
